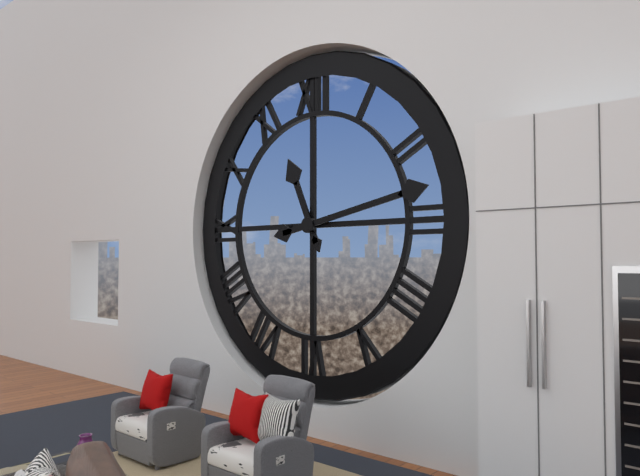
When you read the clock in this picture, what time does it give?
11:13
